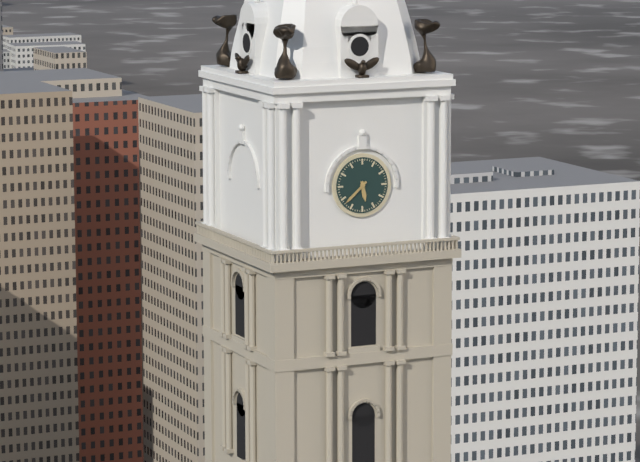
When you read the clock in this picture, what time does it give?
5:38
